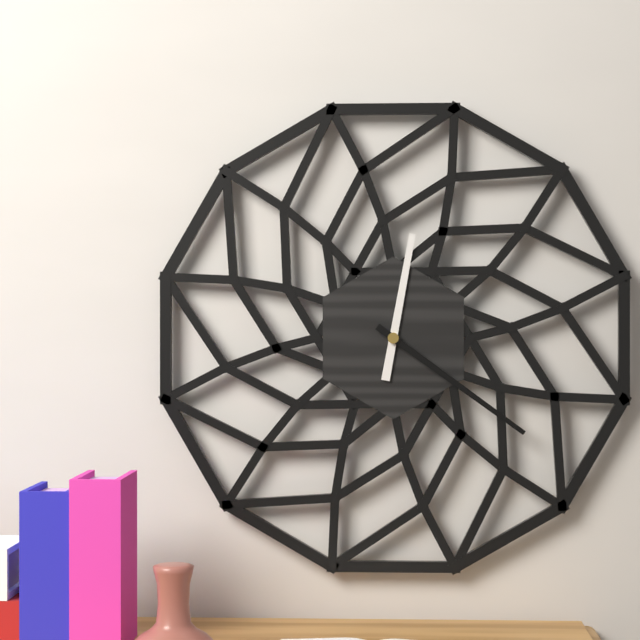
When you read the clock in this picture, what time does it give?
12:21
